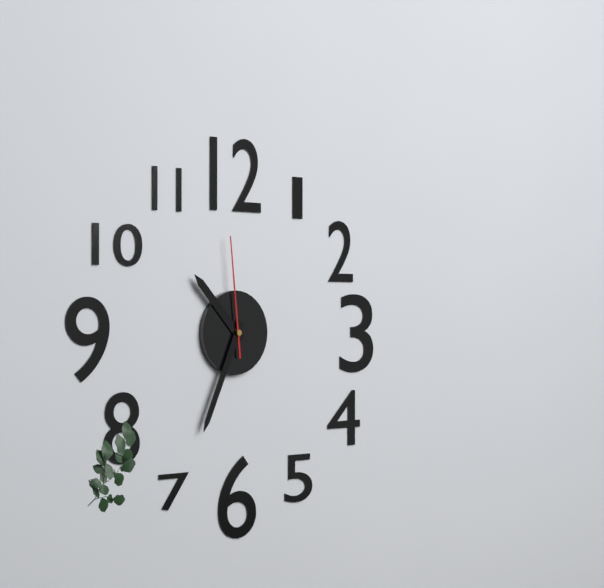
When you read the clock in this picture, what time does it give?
10:34:59
